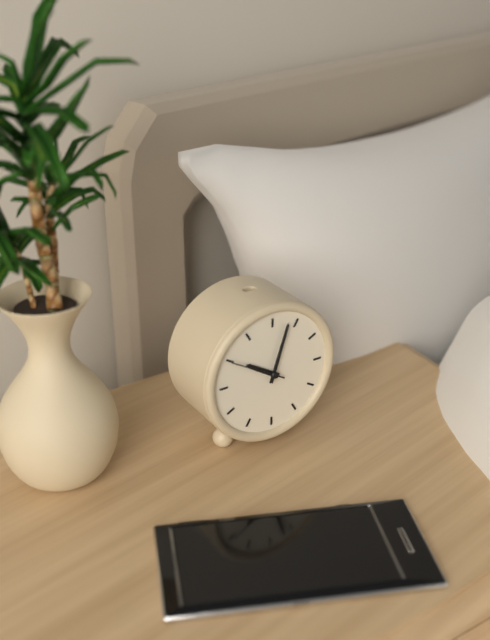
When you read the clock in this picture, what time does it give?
10:03
